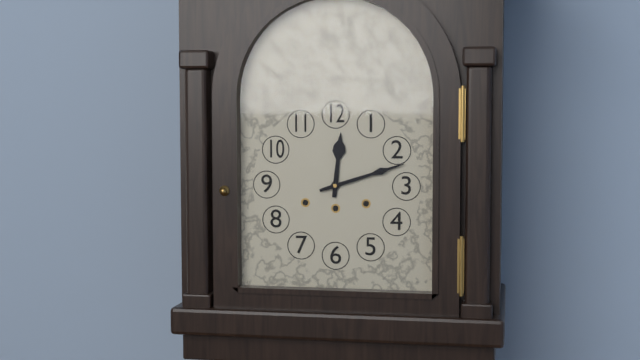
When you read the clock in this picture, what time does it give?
12:12
